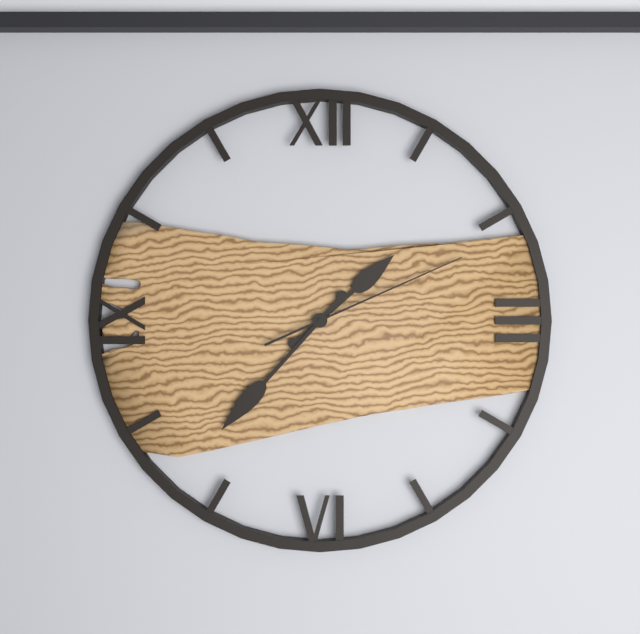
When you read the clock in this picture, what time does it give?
1:37:11
